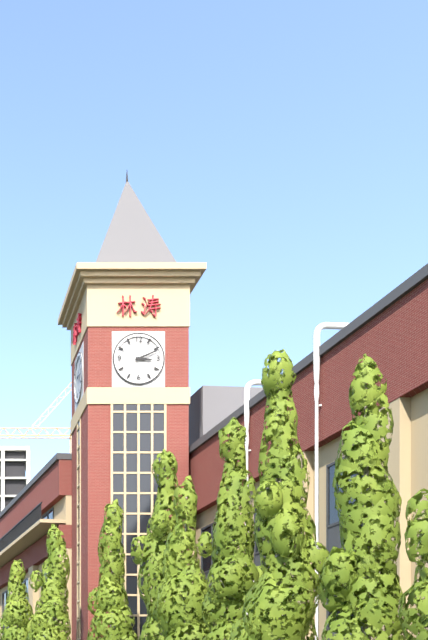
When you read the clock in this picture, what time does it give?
3:11
